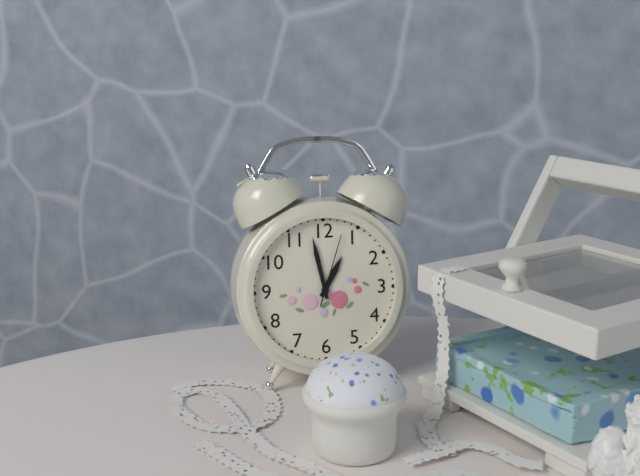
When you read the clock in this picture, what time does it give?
12:58:03
